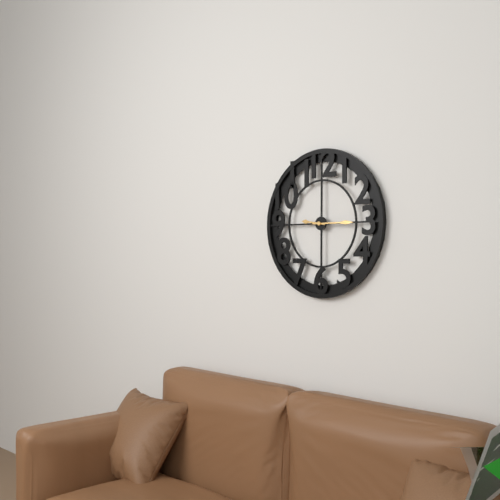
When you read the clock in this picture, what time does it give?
9:15
